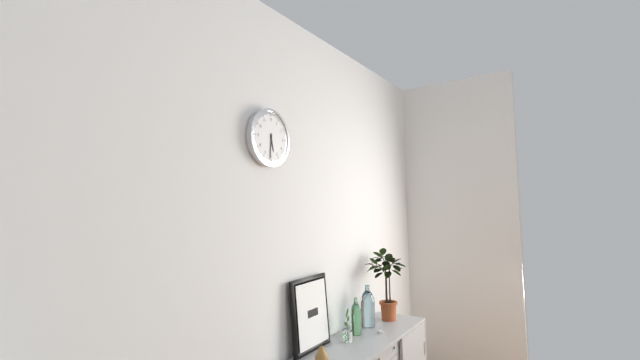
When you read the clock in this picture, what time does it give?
5:31
